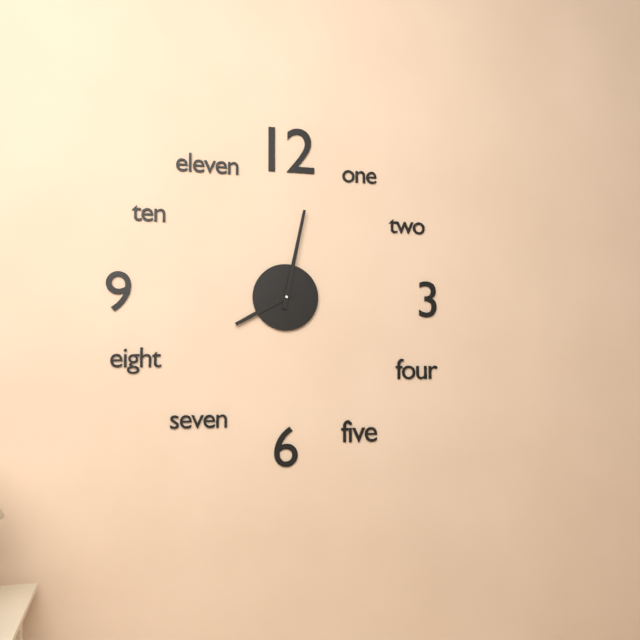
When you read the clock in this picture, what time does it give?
8:02
